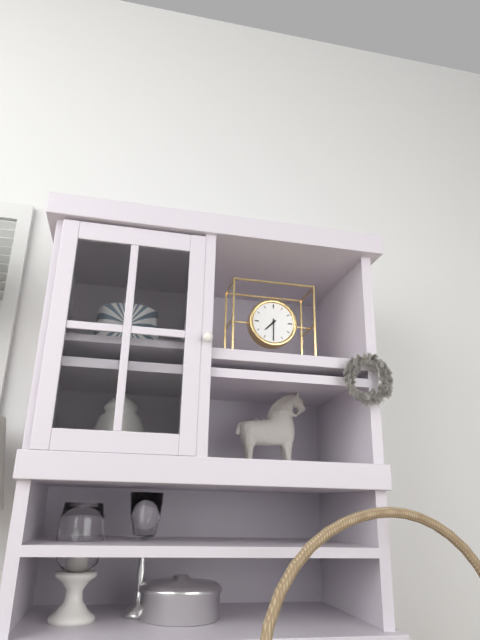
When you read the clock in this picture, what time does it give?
7:30
